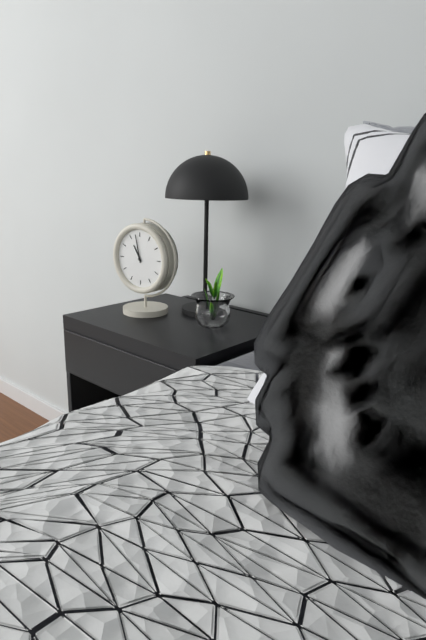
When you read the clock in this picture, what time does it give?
10:58
